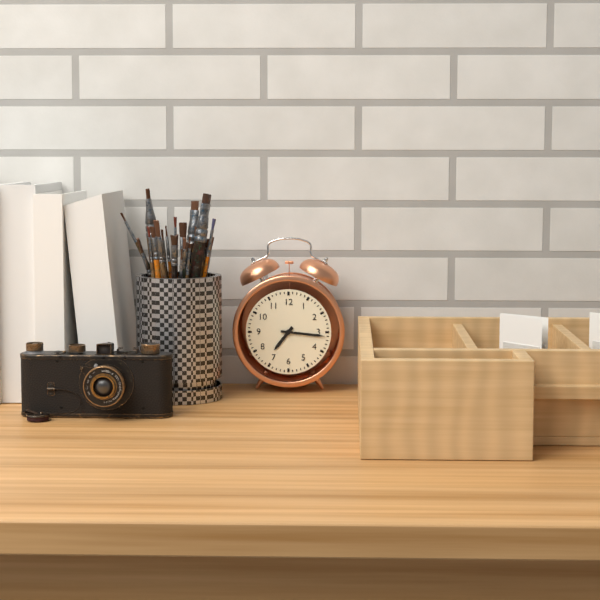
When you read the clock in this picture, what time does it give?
7:16
